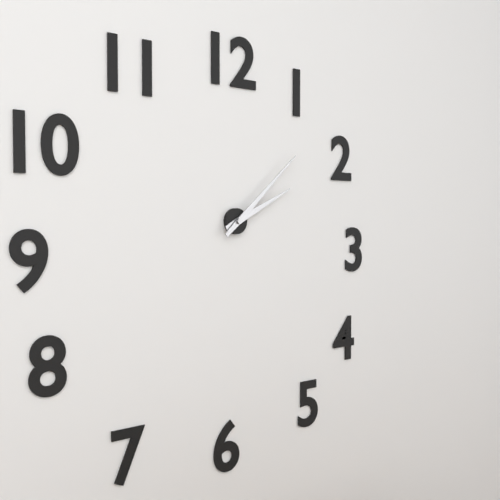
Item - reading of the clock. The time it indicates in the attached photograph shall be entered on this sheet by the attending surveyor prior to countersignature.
2:08
